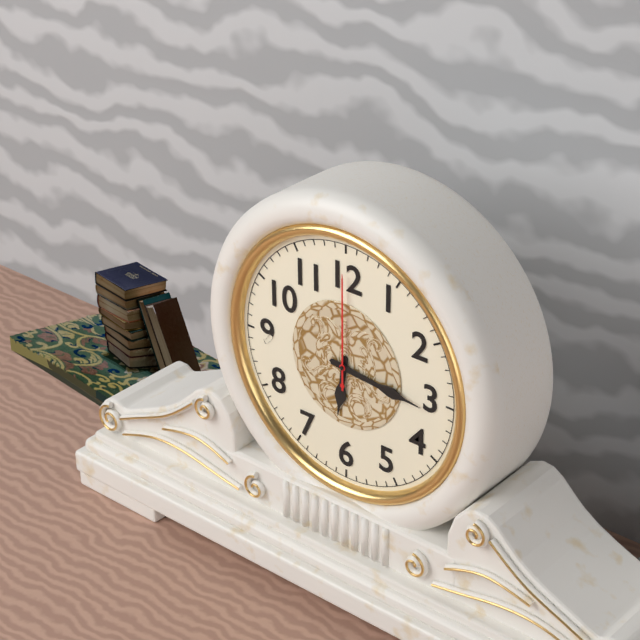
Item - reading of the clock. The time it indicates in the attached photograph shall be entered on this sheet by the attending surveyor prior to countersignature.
6:16:00
